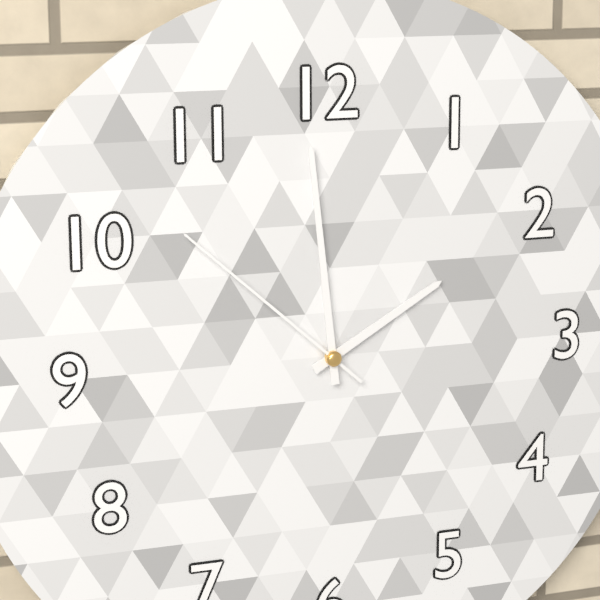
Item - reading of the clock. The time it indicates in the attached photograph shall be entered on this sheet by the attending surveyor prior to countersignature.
1:59:52
